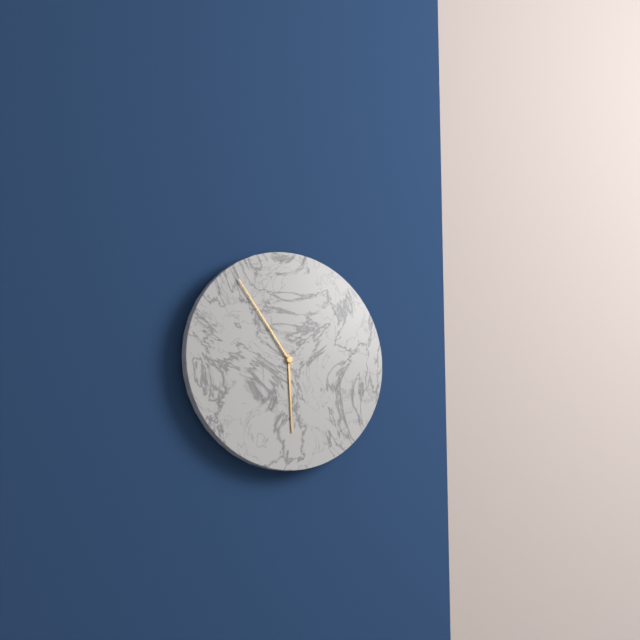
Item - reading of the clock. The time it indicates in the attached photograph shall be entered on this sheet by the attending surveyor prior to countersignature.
5:54
